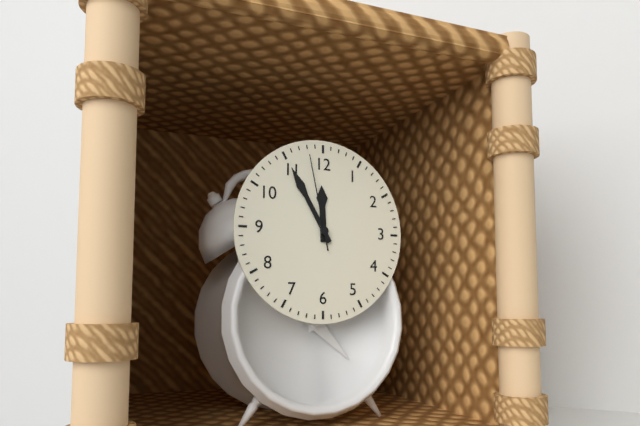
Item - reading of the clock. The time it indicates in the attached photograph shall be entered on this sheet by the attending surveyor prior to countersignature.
11:55:58
